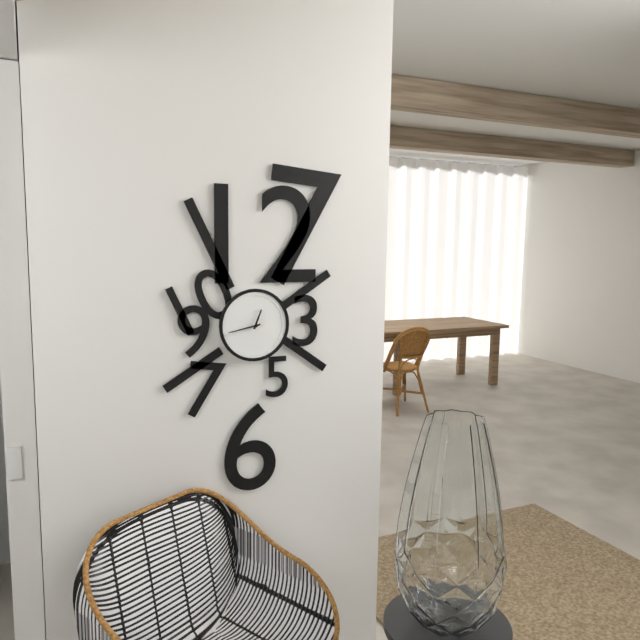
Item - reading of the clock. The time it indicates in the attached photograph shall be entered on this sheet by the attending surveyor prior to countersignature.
12:43
